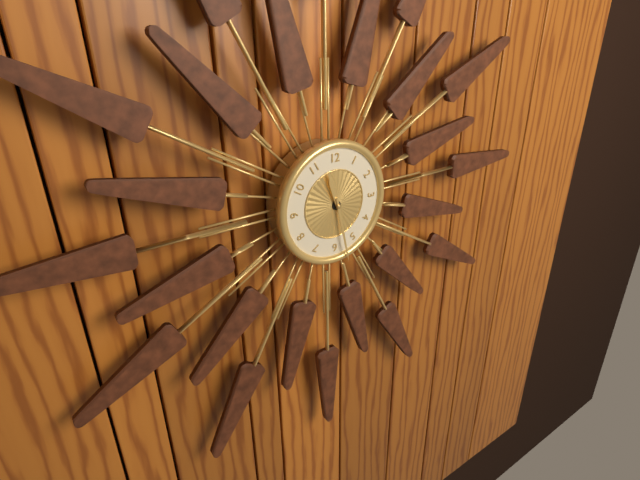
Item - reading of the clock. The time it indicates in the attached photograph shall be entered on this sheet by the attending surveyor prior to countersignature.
11:28
